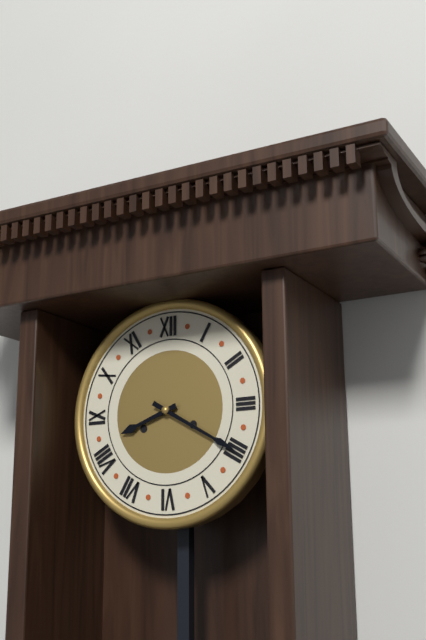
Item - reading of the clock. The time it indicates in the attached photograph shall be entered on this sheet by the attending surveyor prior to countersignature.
8:20
